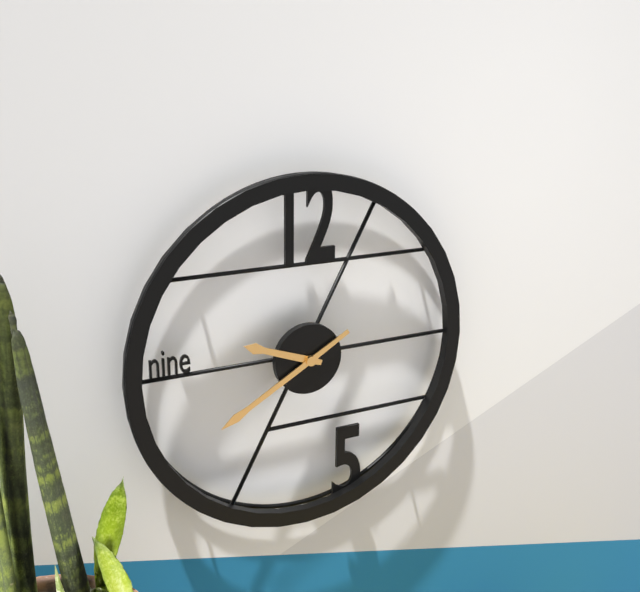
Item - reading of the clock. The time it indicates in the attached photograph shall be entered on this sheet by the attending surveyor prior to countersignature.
9:40
